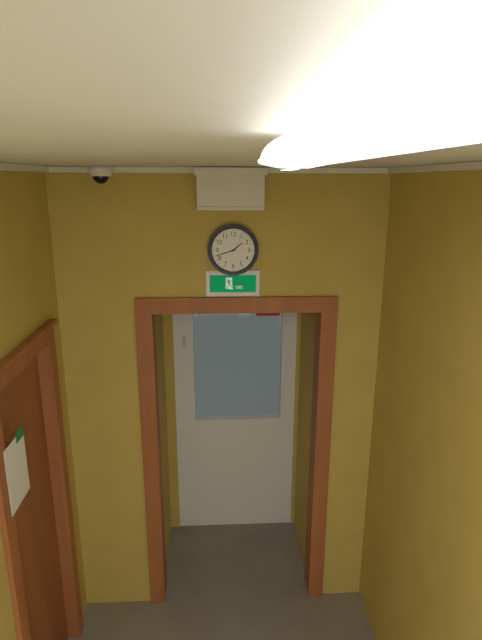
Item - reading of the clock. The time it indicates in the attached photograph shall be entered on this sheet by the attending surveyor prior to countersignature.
1:42
